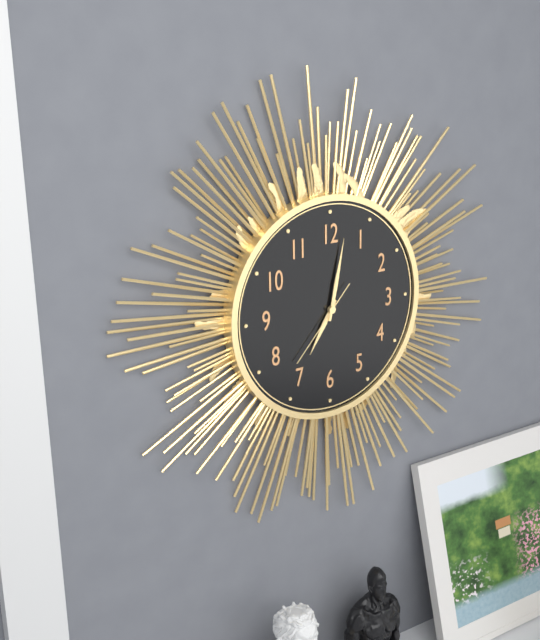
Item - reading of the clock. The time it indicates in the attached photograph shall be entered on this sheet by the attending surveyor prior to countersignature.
7:02:37
